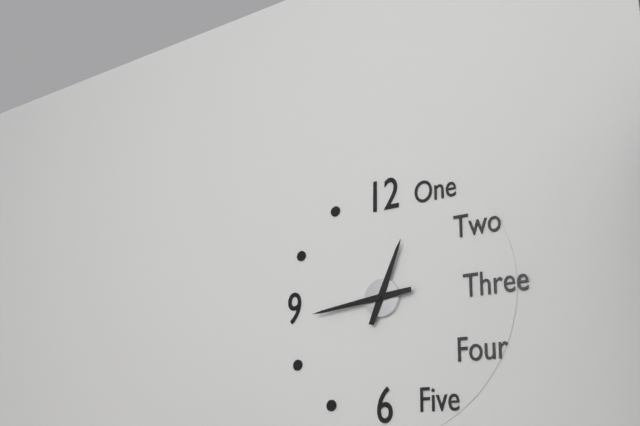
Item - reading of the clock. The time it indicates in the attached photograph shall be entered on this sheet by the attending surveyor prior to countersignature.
12:44
